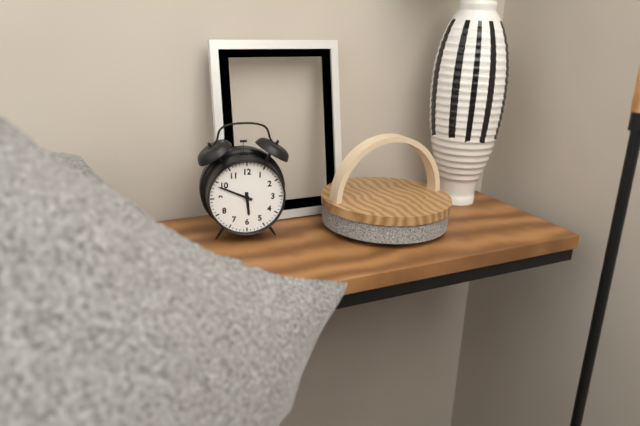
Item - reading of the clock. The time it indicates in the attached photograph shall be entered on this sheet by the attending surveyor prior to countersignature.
5:49
